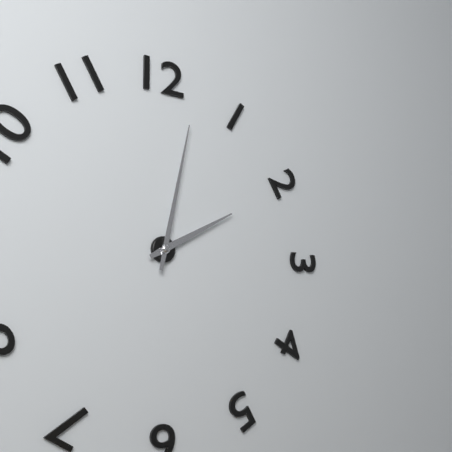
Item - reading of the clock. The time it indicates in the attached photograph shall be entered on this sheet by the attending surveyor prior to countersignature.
2:02
